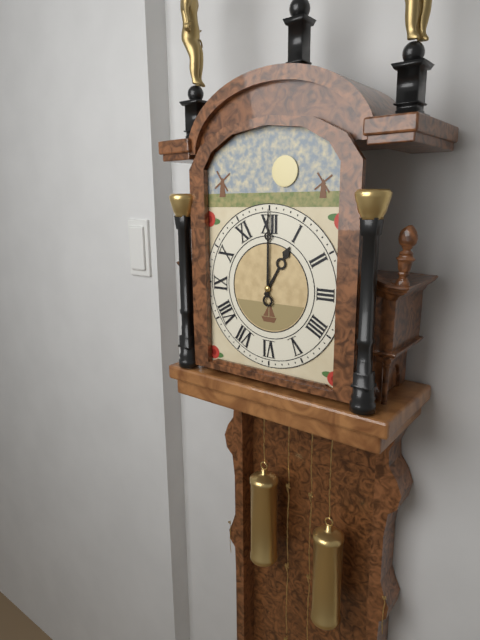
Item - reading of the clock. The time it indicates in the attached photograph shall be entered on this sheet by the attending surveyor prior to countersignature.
1:00
